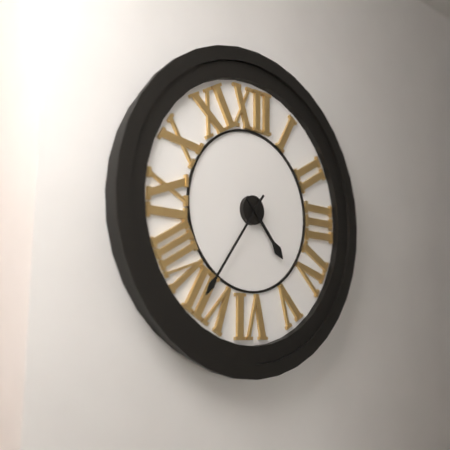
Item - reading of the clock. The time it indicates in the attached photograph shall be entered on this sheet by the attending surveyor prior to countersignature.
4:36
